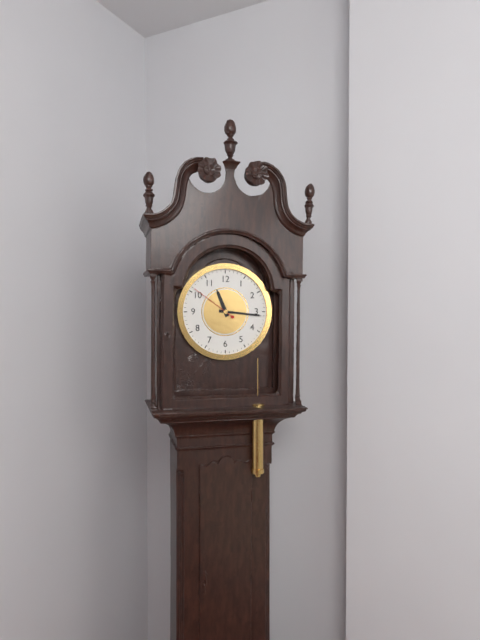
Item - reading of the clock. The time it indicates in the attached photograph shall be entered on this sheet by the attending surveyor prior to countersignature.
11:16
